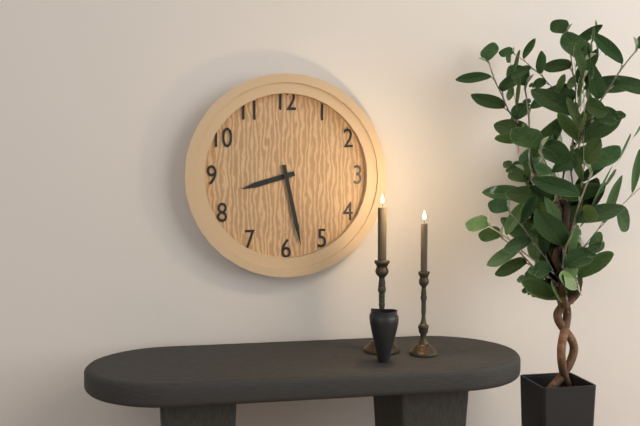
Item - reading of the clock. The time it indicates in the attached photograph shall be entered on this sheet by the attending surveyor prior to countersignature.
8:28
